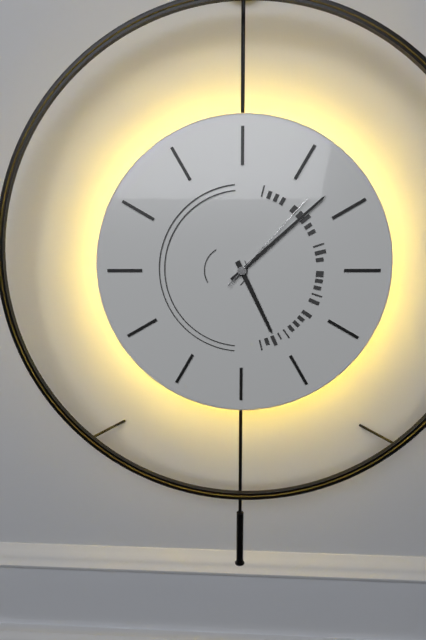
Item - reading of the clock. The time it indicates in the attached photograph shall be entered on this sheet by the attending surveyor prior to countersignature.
5:08:07
